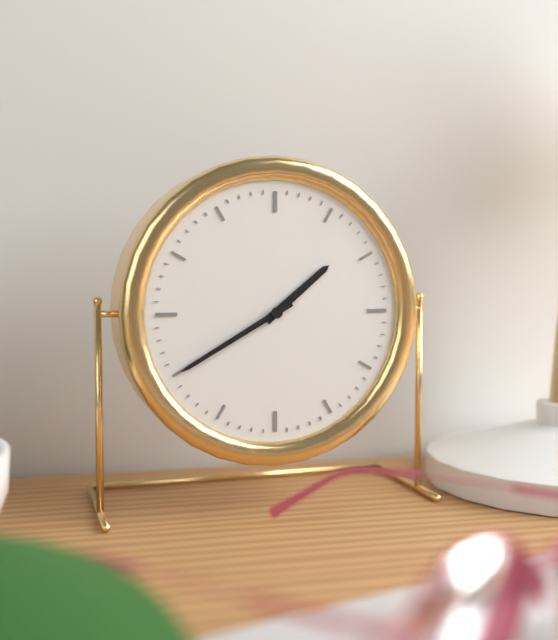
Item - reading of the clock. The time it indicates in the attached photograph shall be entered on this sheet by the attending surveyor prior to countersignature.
1:40
